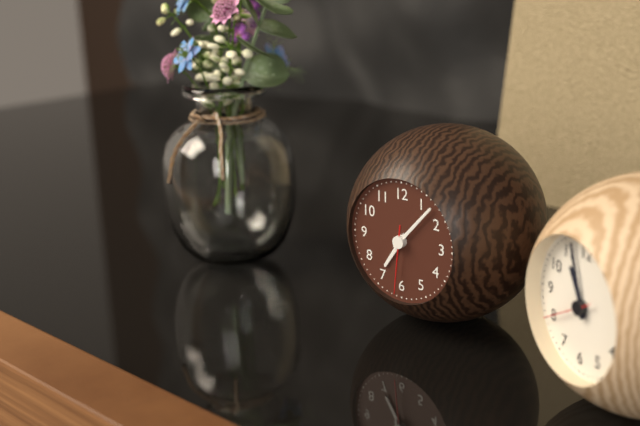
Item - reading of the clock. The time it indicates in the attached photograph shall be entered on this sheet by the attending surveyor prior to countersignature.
7:07:31
